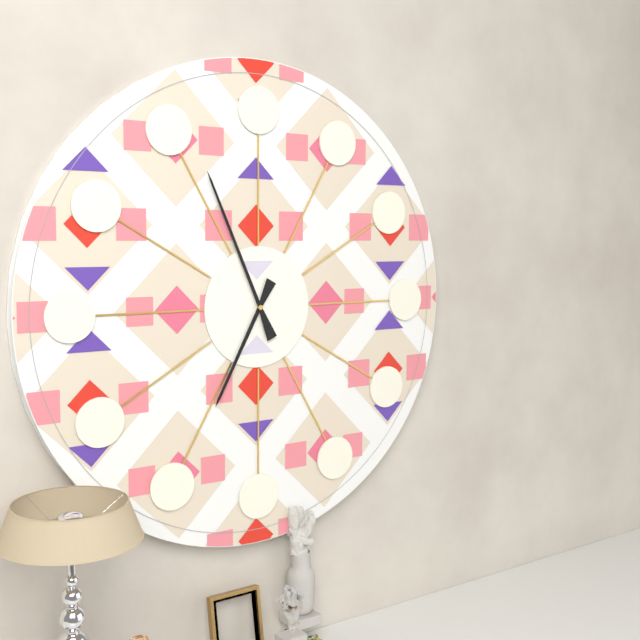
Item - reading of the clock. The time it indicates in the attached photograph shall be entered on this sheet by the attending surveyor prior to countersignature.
6:56
